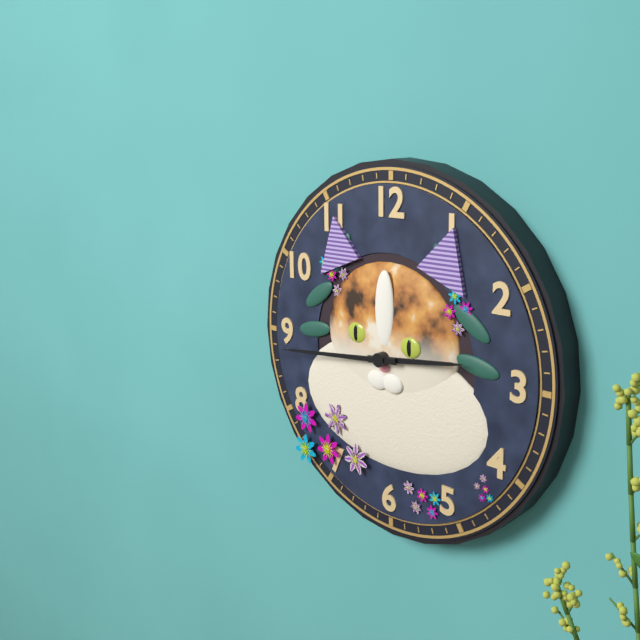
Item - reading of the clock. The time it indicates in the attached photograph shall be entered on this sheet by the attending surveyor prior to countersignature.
2:44
